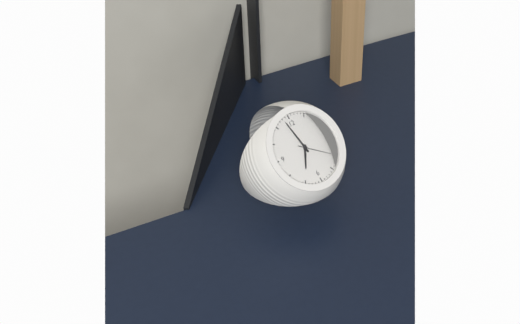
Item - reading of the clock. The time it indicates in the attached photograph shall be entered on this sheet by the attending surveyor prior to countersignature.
6:58
